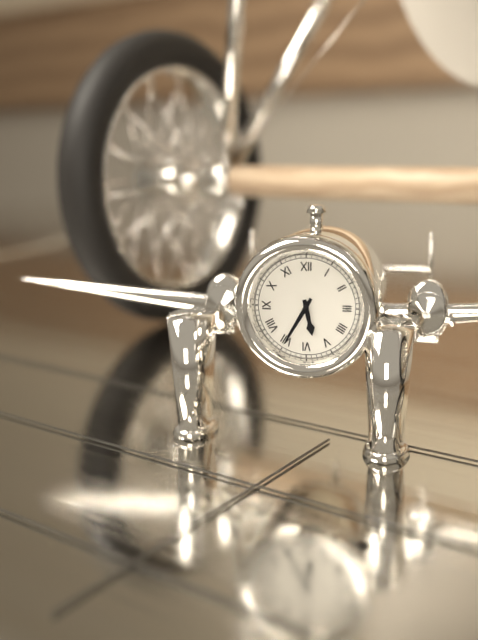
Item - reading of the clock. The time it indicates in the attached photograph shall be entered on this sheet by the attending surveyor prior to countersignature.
5:35
